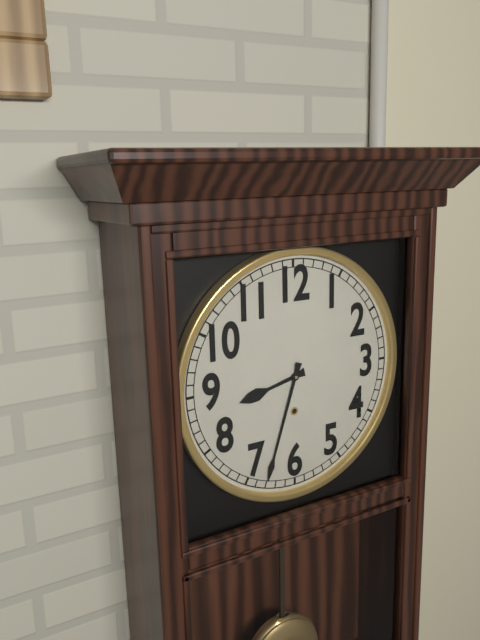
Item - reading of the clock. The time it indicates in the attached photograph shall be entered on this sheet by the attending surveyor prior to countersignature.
8:33
